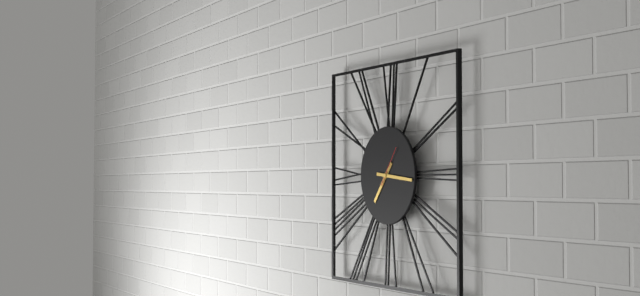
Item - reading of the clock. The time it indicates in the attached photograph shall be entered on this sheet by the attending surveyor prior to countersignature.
7:16
